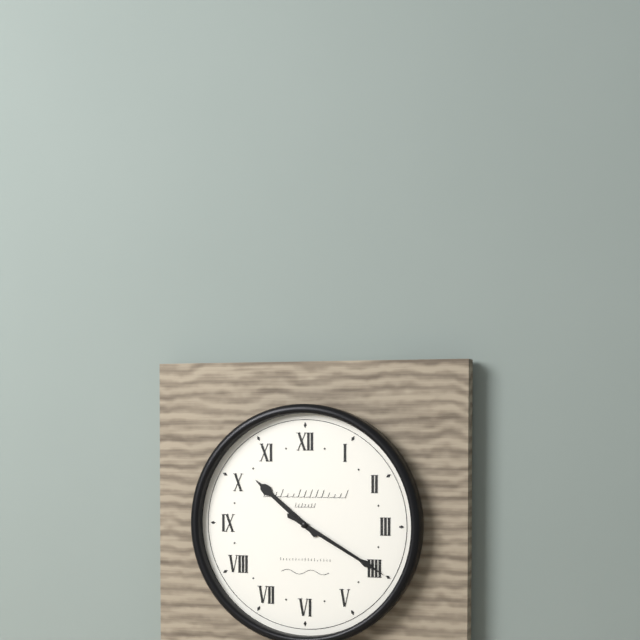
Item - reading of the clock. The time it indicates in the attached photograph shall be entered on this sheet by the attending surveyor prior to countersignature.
10:20
